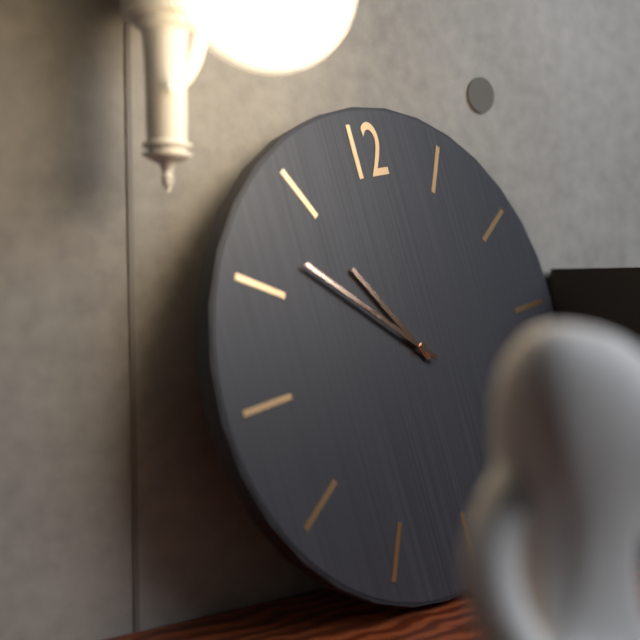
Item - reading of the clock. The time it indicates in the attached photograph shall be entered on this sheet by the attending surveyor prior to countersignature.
10:52
